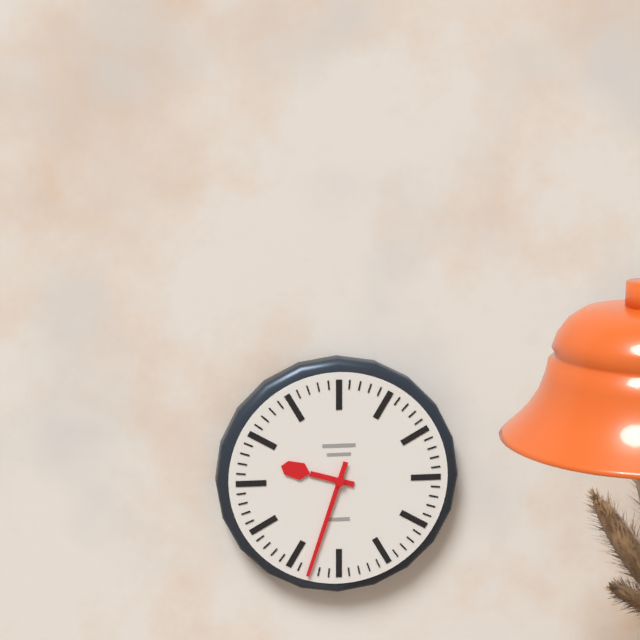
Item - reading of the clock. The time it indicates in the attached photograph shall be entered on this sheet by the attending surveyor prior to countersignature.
9:33
